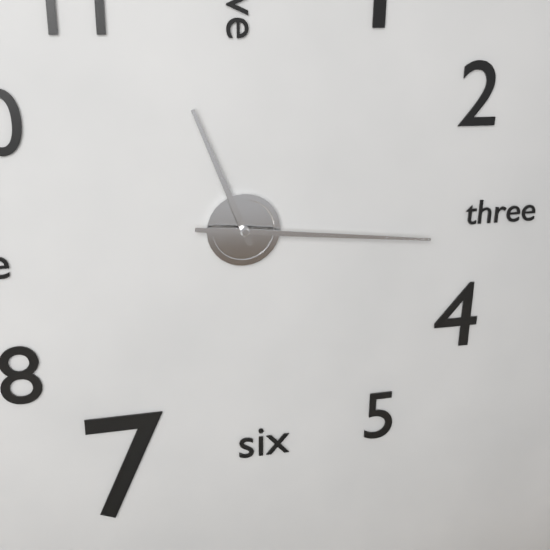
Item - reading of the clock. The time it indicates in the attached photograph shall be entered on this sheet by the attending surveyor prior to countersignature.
11:16
